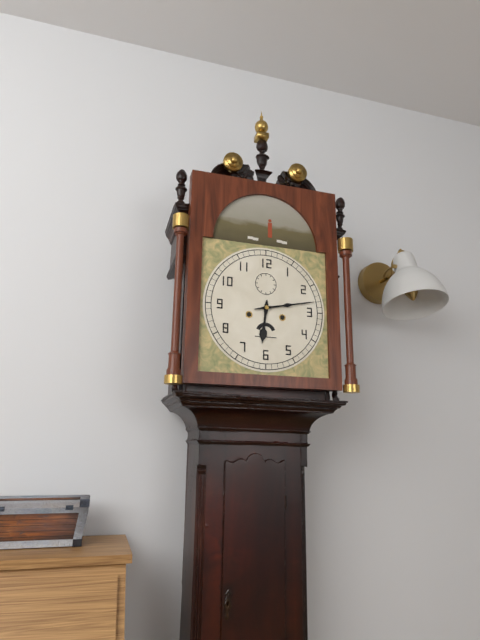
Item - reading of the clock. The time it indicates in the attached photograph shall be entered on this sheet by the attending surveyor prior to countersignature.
6:13
